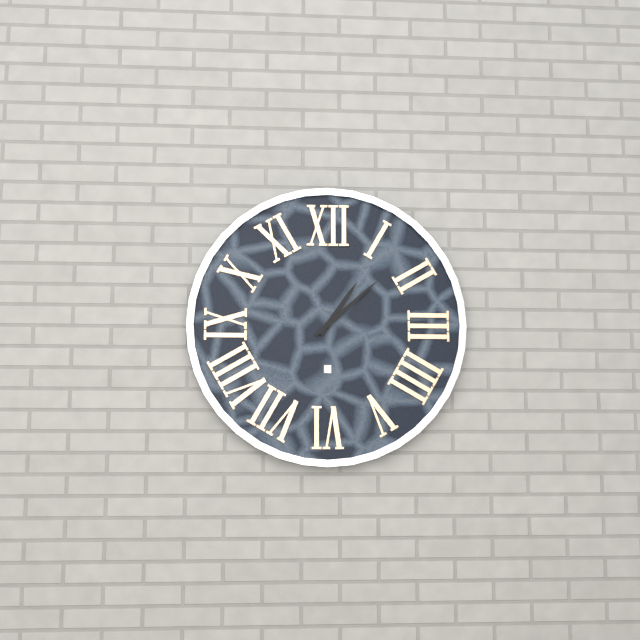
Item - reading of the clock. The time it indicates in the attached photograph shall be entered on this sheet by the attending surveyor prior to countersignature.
1:08
